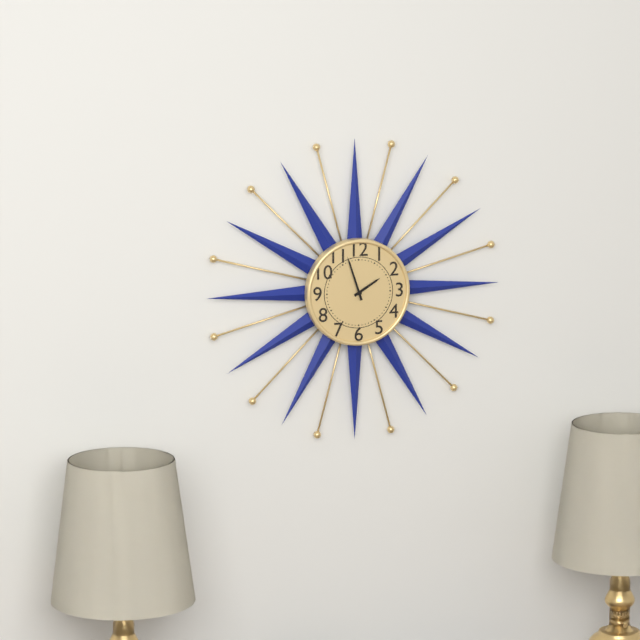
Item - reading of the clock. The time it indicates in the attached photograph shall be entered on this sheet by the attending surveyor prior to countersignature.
1:57
